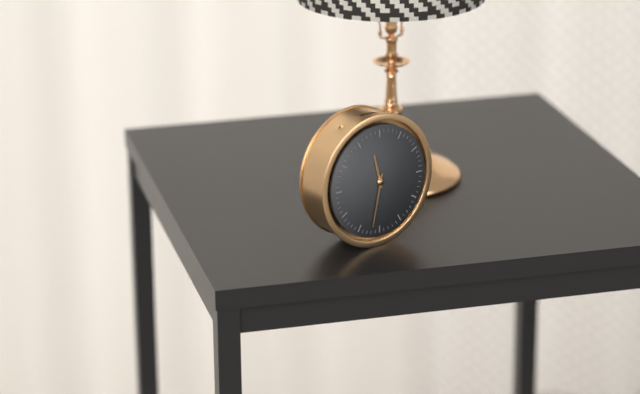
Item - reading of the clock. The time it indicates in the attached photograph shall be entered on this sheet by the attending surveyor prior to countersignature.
11:32
